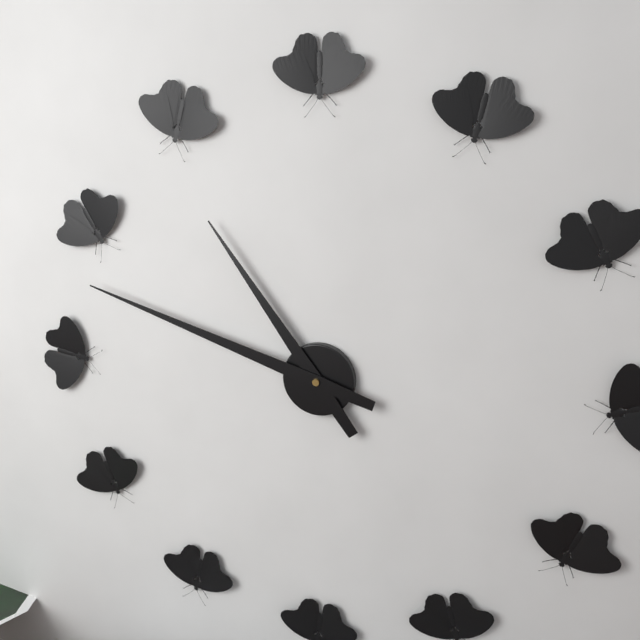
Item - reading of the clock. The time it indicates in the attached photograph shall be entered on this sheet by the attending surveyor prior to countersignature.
10:48
